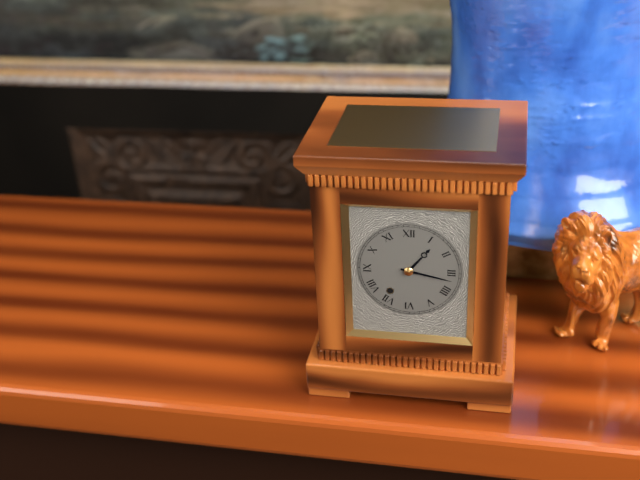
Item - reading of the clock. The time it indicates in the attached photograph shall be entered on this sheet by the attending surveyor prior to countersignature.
1:17
